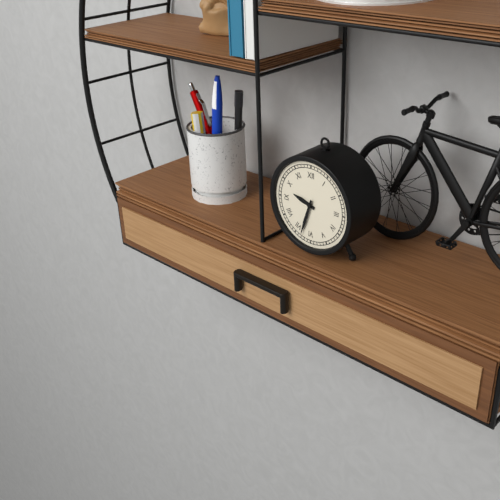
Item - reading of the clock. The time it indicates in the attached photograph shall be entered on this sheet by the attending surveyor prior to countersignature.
9:33
